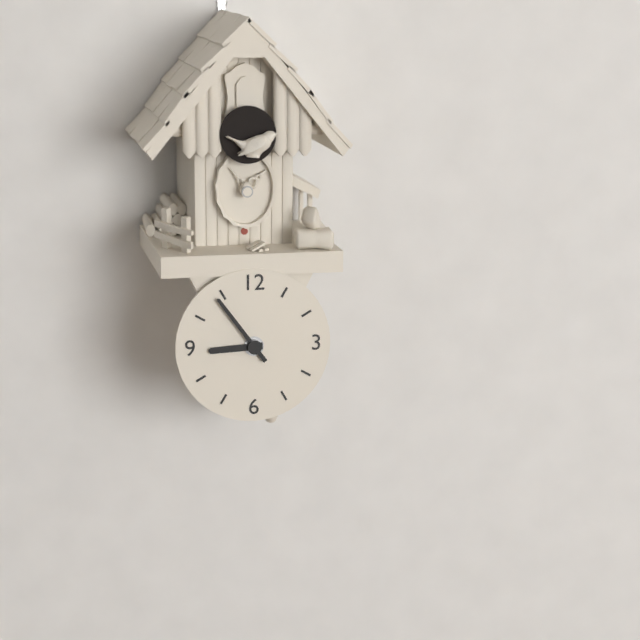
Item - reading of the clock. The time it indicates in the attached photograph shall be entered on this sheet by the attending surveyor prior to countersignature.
8:54
